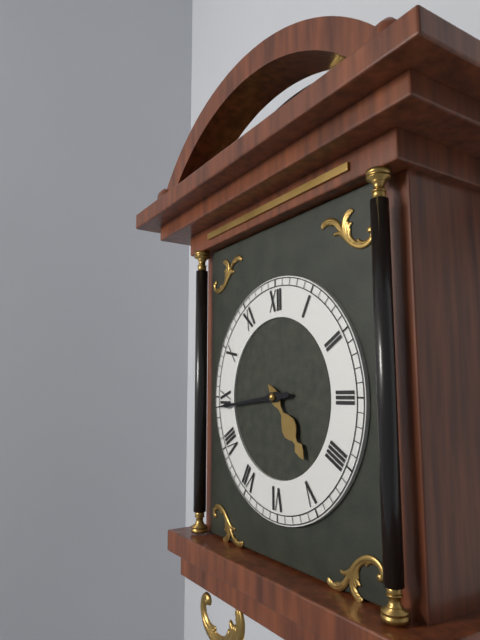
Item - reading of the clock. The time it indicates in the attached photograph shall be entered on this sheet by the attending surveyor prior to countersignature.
4:44
